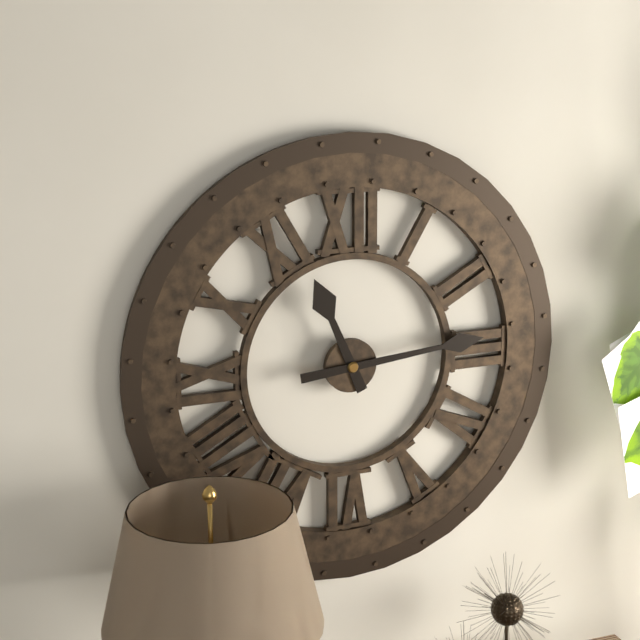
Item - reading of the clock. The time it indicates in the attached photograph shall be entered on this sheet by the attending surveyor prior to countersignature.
11:14
